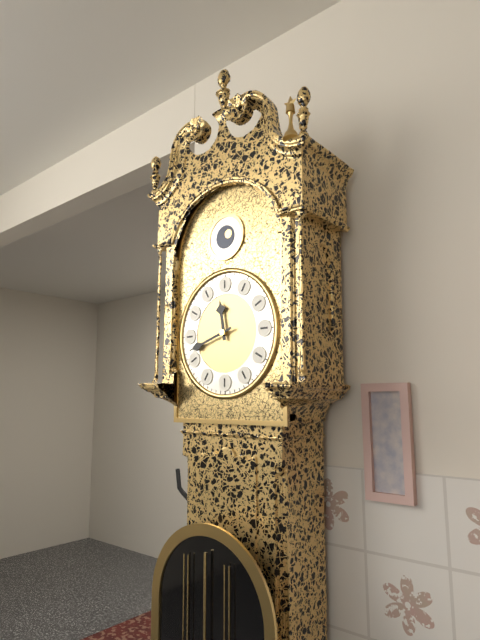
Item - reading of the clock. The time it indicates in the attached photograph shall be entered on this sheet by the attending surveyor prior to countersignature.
11:42
